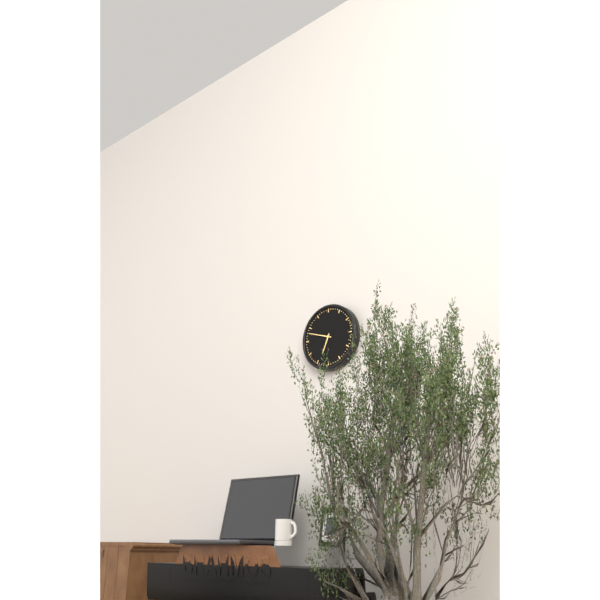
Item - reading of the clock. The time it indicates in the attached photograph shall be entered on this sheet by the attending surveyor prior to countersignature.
6:48
